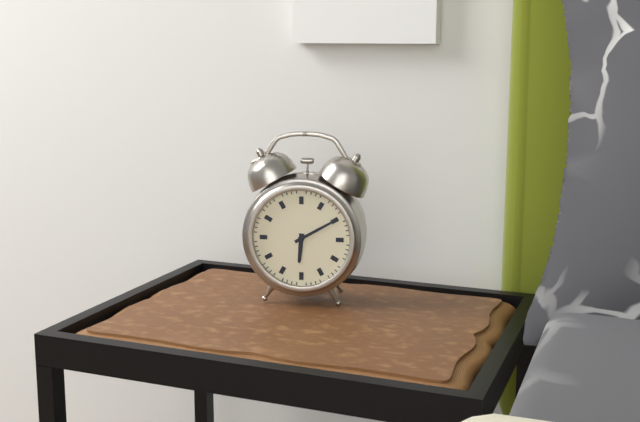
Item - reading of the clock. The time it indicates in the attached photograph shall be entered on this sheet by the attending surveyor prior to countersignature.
6:10
